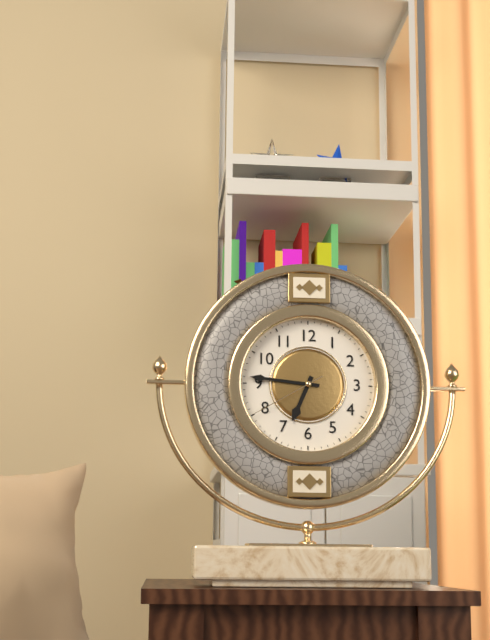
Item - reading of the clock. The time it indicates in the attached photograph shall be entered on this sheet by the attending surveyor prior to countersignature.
6:46:40
